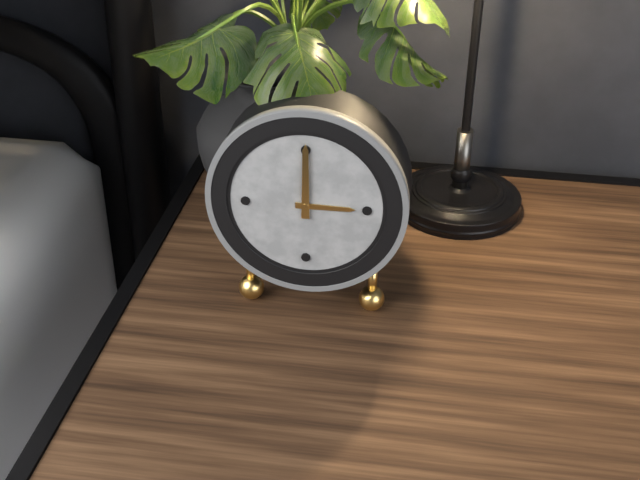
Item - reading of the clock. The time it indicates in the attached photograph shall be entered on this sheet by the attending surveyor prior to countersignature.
3:00
